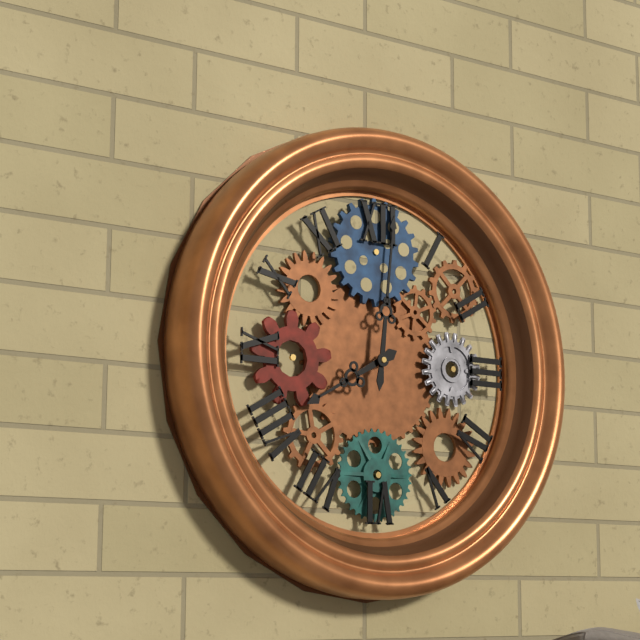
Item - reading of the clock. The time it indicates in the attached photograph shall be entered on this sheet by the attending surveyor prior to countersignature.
8:01
